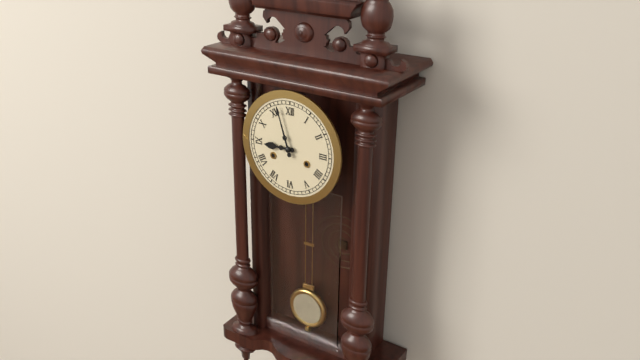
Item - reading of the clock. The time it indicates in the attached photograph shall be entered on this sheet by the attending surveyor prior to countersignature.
8:57
